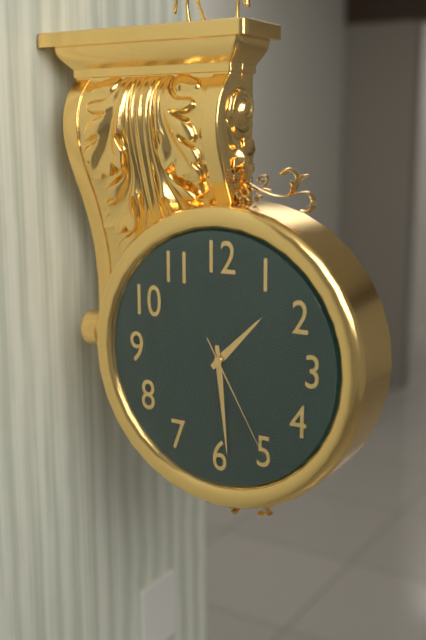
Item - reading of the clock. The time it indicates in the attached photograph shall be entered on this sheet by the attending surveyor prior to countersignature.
1:29:25
